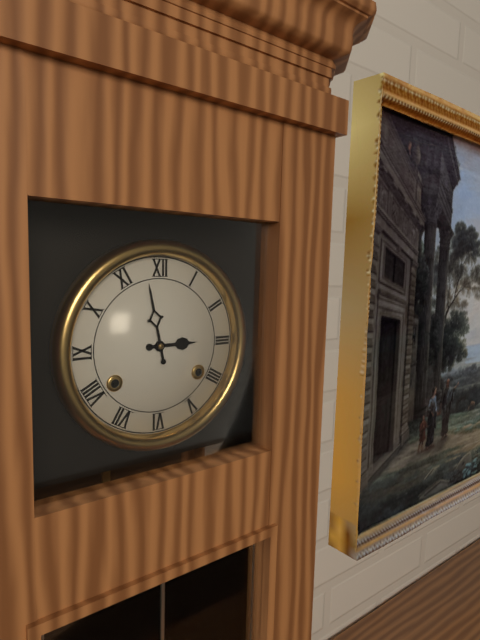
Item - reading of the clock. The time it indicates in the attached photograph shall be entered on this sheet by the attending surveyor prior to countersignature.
2:58
